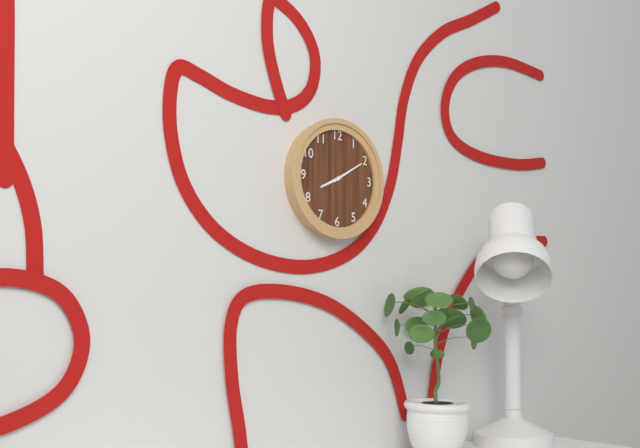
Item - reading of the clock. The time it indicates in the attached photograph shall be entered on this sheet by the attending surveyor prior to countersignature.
8:10
